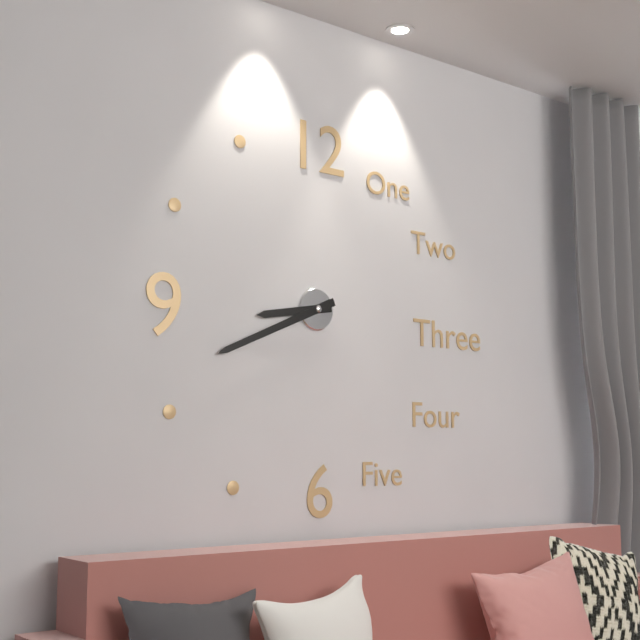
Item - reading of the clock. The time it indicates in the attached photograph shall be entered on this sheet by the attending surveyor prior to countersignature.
8:41
